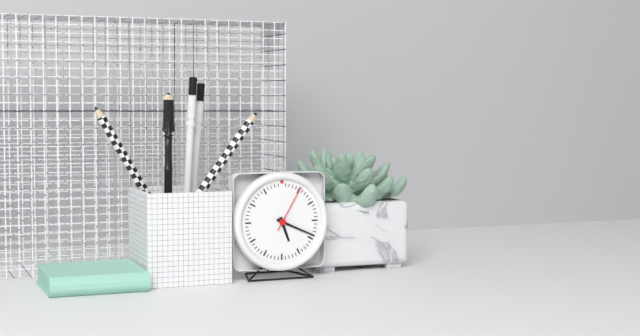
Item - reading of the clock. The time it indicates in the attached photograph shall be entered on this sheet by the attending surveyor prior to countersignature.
5:19
